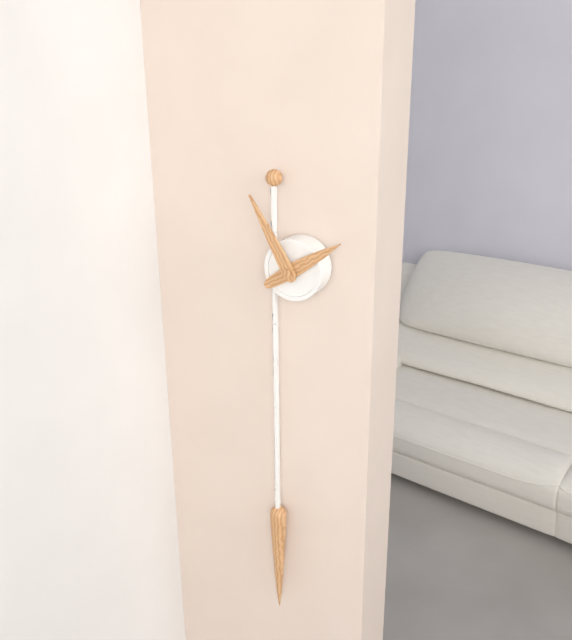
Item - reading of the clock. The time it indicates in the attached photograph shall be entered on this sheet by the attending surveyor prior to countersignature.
1:55
